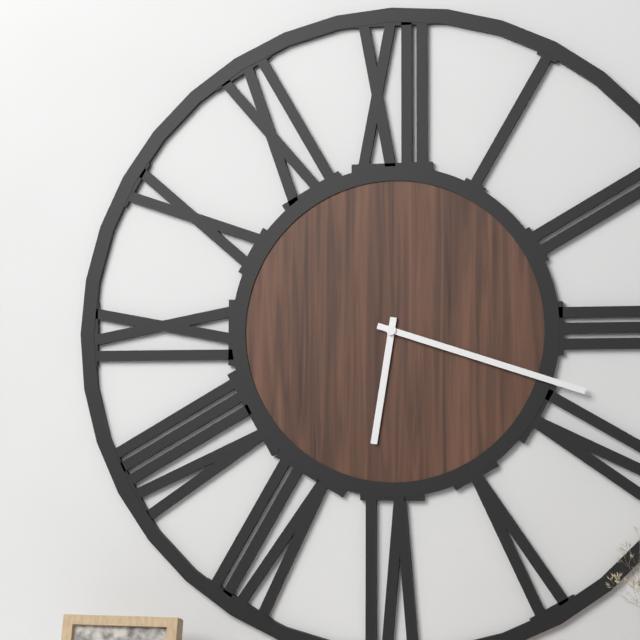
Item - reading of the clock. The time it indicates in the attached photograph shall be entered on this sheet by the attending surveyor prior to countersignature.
6:18
